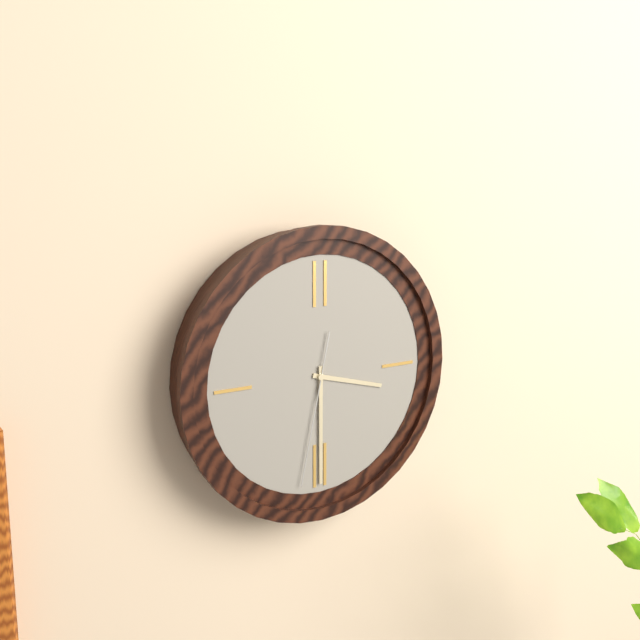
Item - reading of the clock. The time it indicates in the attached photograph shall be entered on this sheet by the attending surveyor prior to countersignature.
3:30:32
